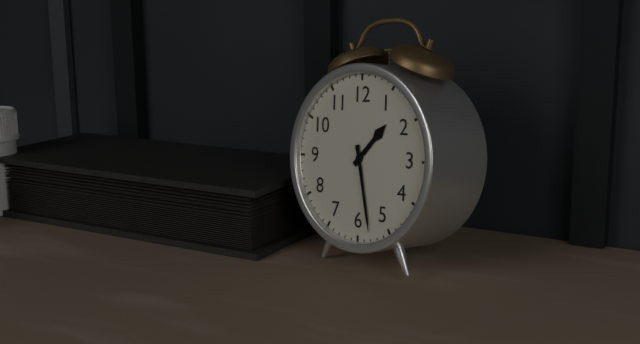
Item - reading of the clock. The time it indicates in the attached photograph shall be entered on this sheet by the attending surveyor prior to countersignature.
1:28
